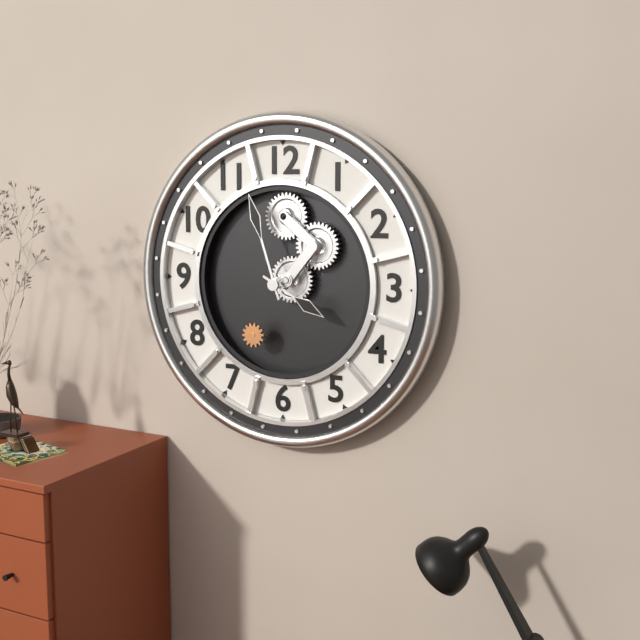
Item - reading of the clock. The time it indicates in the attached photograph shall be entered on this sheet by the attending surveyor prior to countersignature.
3:57
